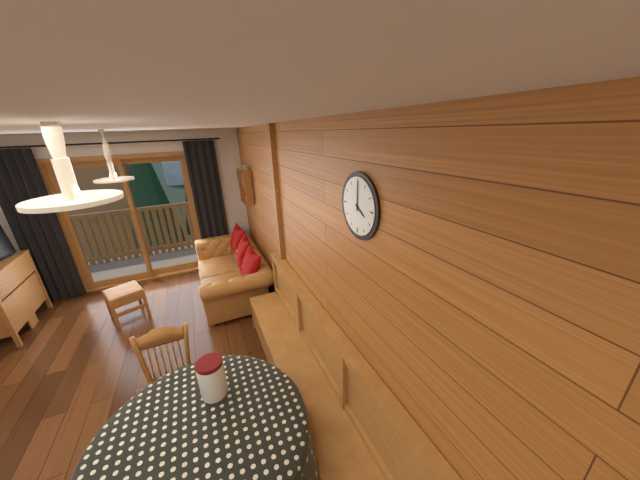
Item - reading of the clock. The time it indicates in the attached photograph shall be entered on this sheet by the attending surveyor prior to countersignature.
4:00
